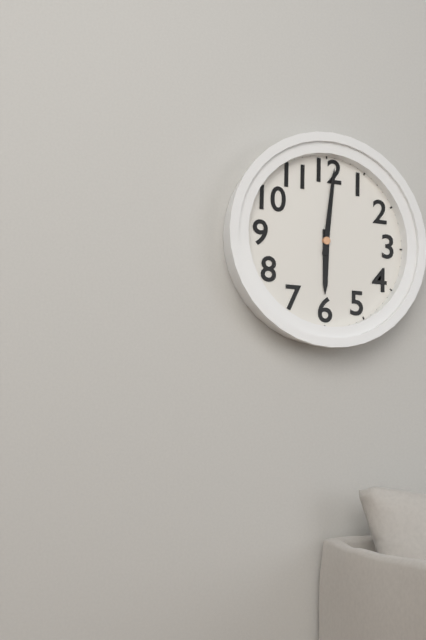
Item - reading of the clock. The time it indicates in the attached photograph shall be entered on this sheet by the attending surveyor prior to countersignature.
6:01
